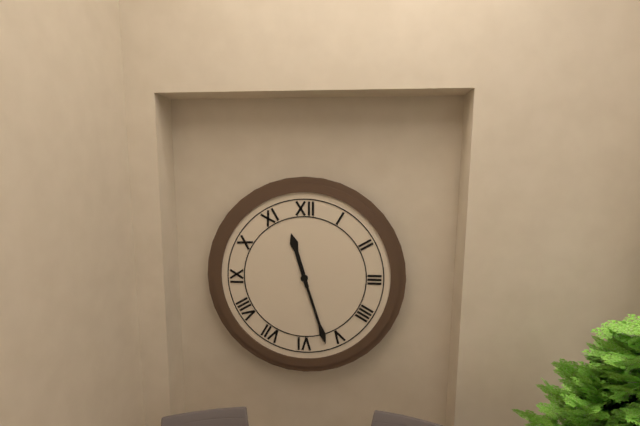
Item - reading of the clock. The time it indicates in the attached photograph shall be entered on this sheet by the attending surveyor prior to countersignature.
11:27
